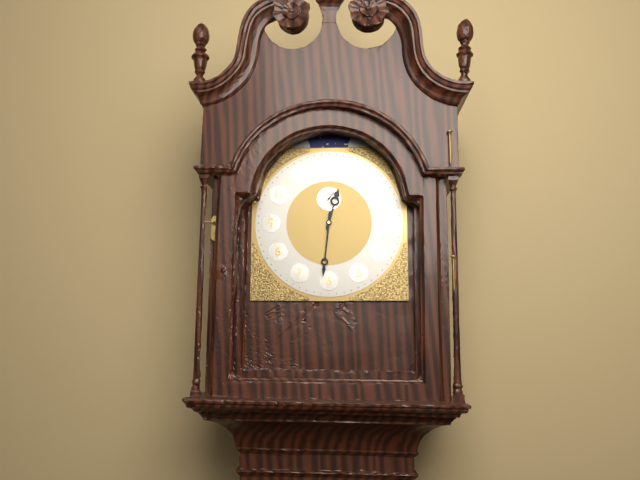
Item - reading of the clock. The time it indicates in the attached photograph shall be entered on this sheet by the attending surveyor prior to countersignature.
12:31
